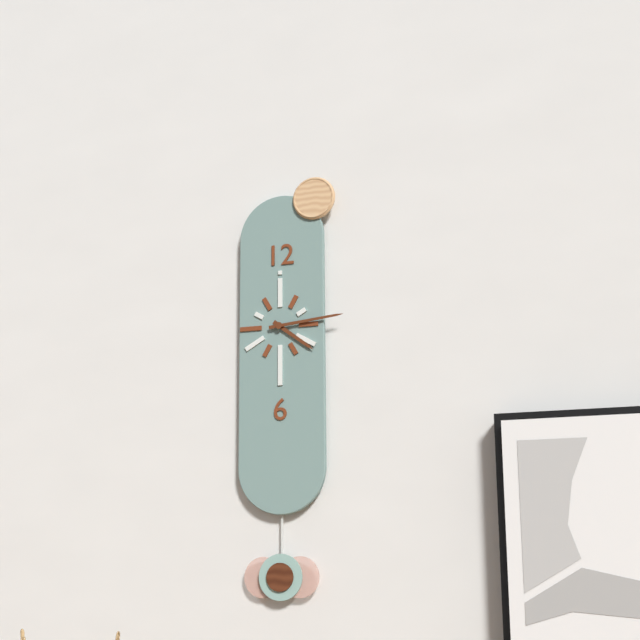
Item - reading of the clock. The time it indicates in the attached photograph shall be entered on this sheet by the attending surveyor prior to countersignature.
4:14
